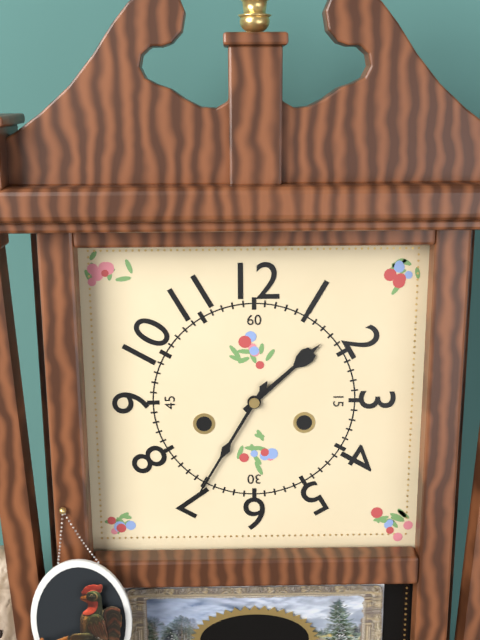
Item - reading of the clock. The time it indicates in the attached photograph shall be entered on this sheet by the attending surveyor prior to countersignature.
1:35
